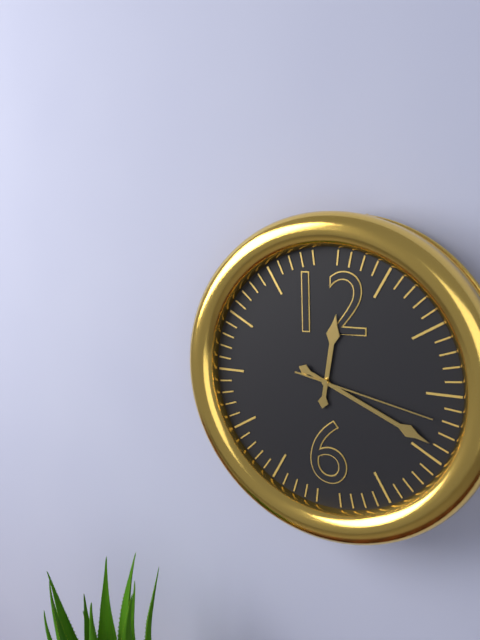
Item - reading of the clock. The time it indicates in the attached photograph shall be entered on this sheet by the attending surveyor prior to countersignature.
12:19:17
